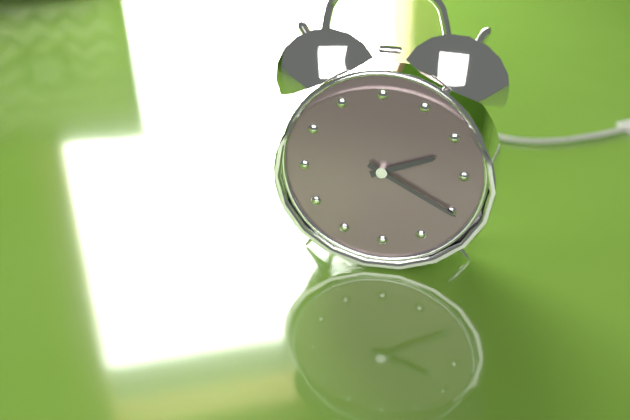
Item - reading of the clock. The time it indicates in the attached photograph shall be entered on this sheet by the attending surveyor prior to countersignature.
2:20
